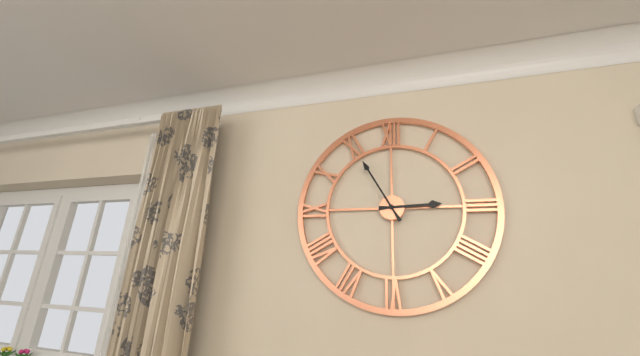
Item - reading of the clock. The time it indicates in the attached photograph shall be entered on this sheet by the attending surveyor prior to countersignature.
2:55
